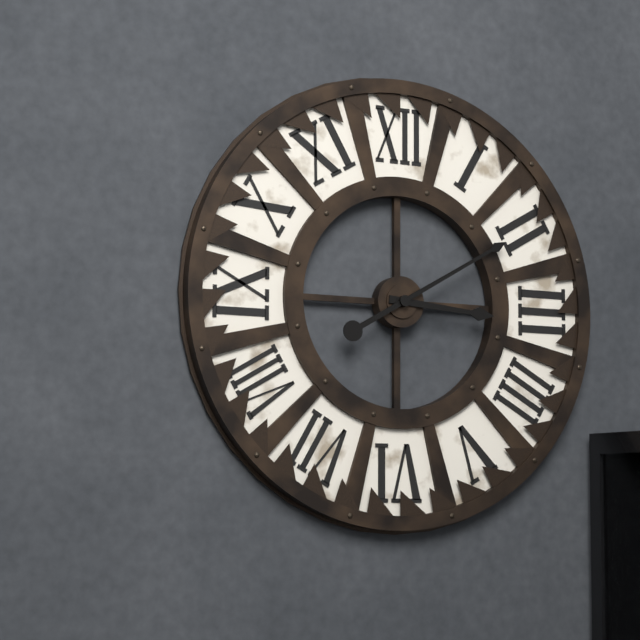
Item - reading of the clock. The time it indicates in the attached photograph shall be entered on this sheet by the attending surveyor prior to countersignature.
3:10
